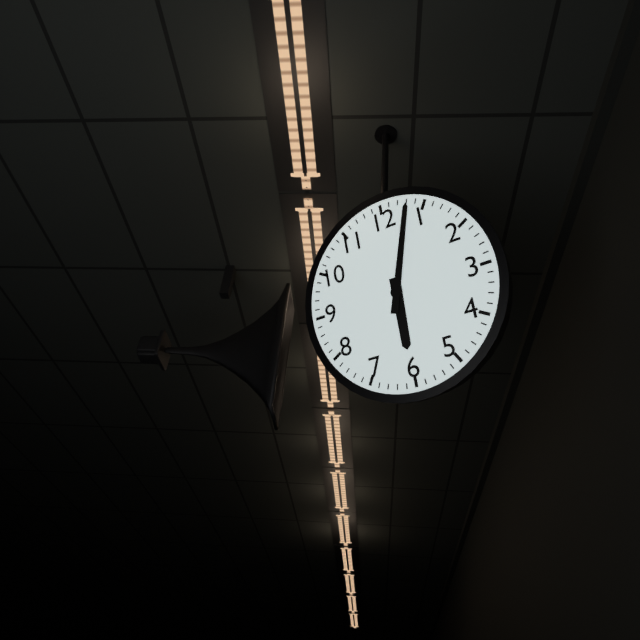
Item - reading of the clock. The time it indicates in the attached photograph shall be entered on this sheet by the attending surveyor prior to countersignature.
6:03
